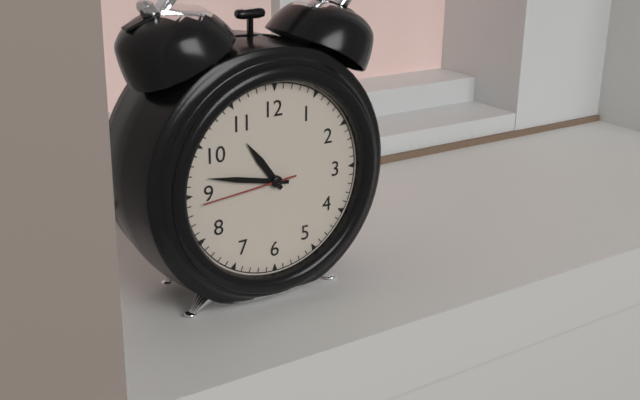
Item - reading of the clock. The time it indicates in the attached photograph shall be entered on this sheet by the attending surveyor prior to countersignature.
10:47:44
